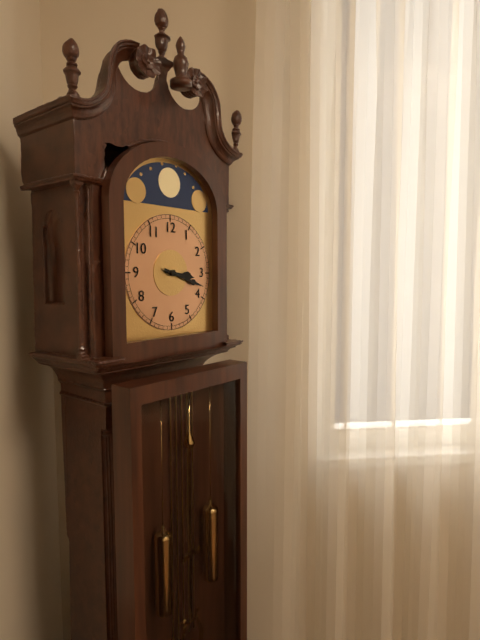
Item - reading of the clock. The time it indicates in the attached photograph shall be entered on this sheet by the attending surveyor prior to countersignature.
3:18
